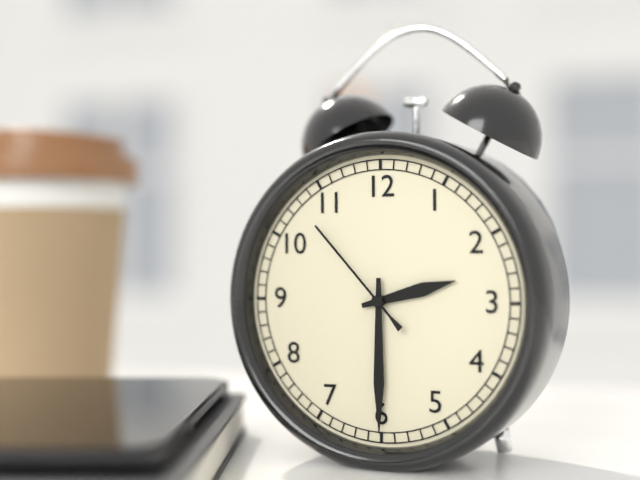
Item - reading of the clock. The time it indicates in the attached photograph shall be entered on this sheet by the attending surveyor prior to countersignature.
2:30:53
